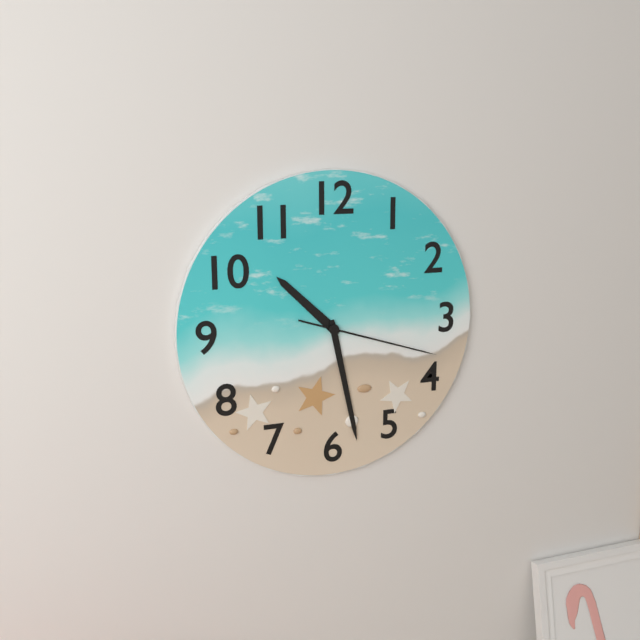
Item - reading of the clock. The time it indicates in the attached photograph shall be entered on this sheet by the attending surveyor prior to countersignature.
10:28:18
